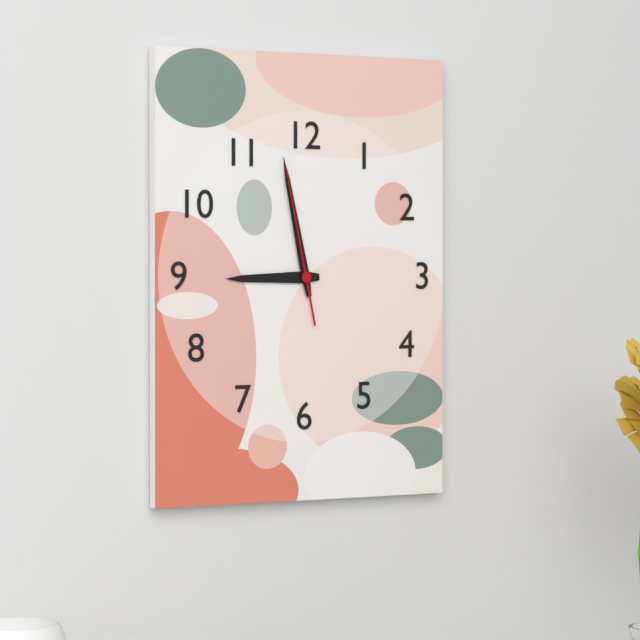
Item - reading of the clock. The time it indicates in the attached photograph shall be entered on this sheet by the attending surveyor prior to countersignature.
8:58:58
